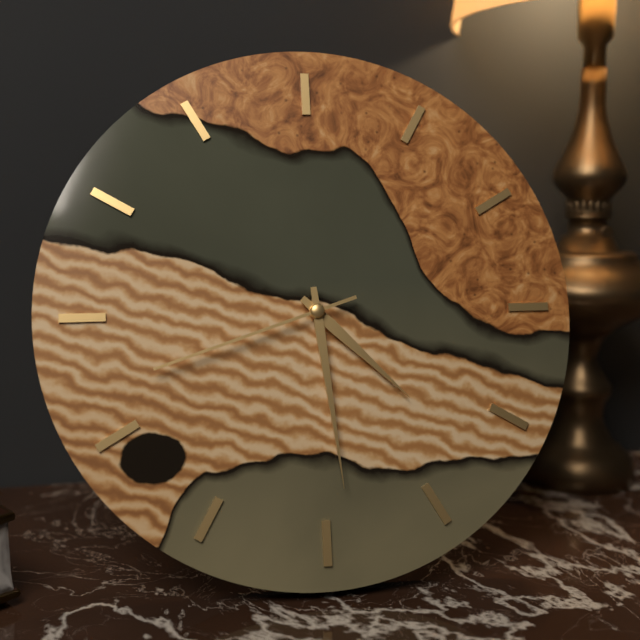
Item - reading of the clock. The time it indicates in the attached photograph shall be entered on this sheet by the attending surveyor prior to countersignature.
4:29:42
